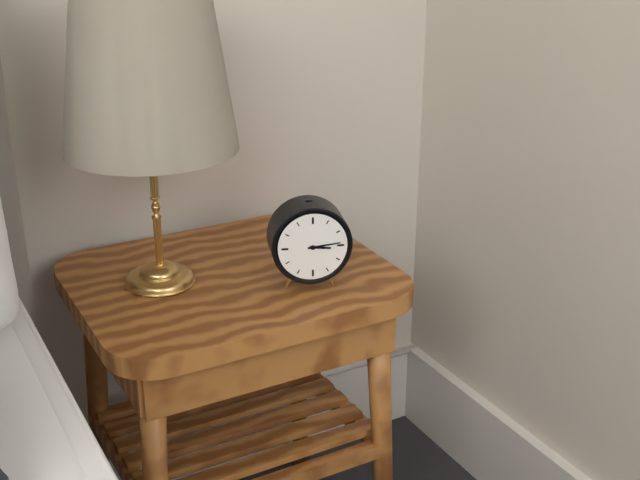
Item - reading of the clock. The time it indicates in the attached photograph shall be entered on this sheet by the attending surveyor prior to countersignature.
3:14
